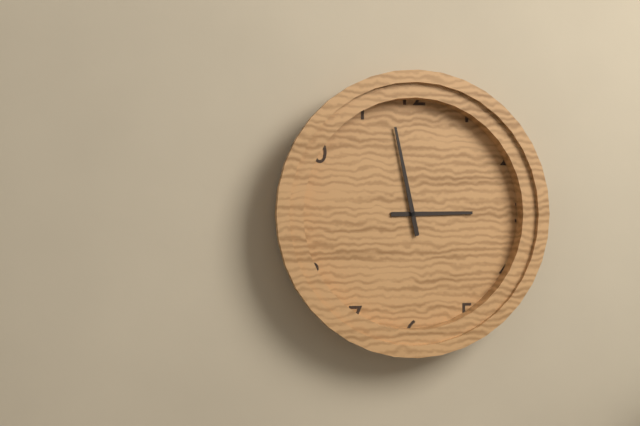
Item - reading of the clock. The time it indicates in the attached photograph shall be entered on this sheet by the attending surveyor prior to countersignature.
2:58
